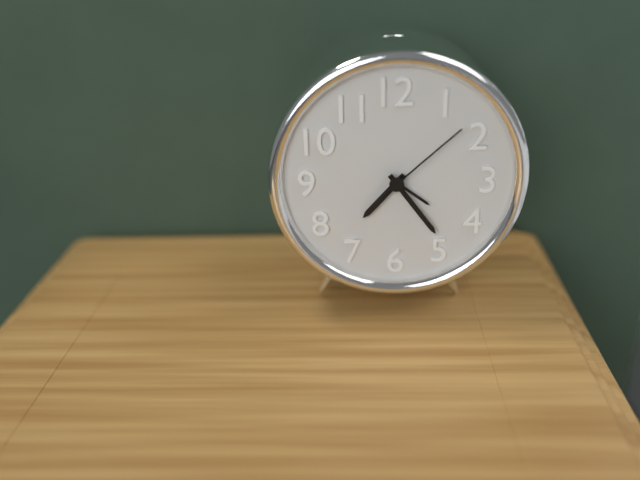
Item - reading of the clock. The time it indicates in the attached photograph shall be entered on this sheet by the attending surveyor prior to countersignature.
7:24:08
